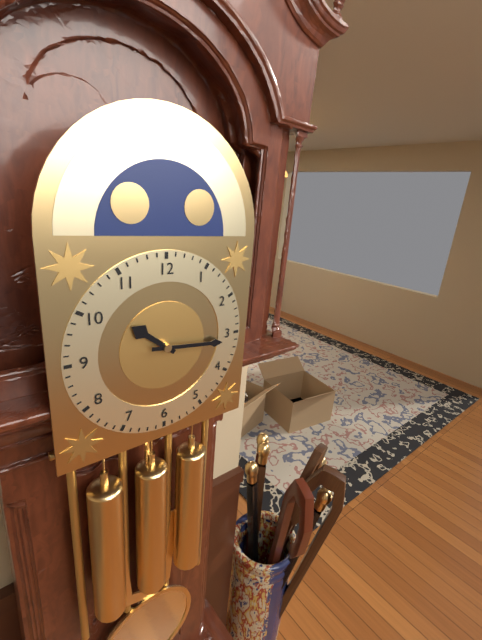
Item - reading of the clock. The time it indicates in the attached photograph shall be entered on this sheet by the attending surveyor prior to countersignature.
10:16
